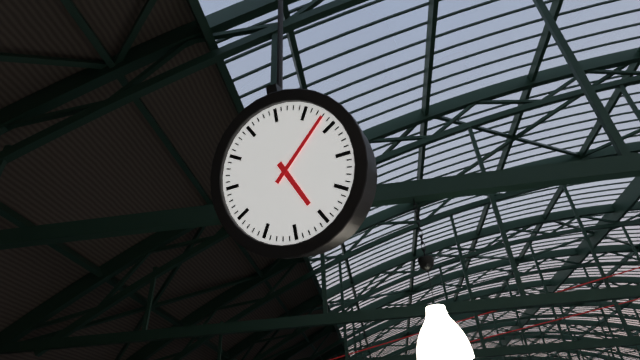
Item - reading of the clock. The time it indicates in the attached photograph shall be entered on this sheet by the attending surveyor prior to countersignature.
5:08
